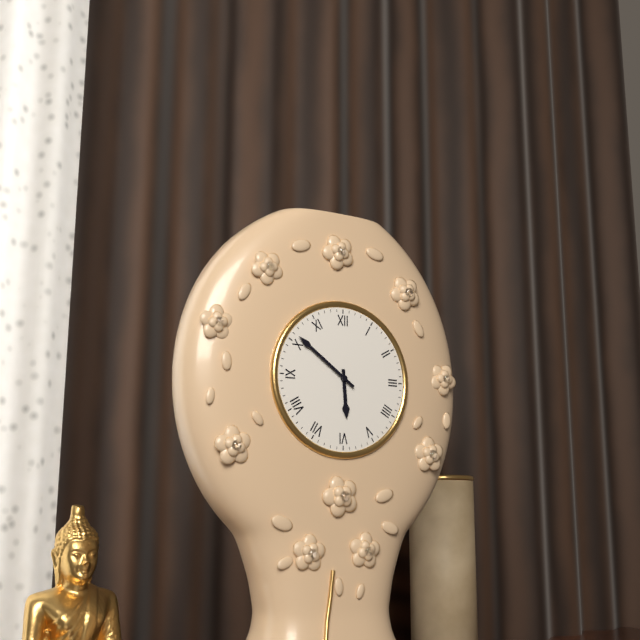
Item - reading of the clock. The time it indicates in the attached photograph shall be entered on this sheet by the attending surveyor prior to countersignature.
5:51
